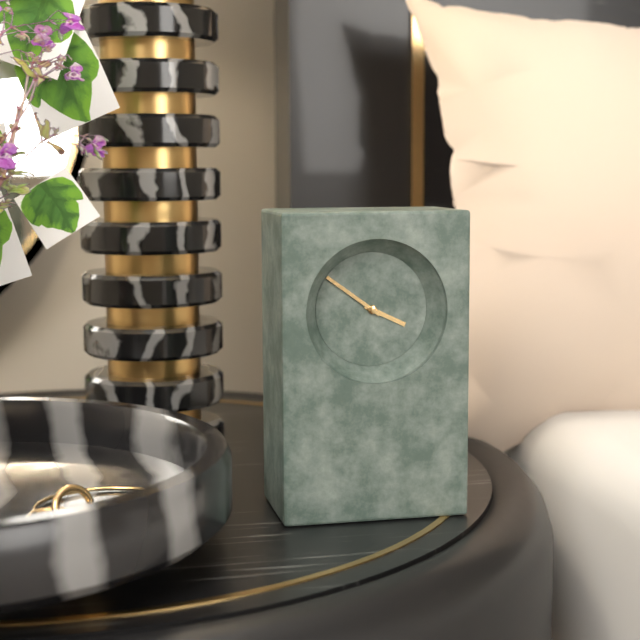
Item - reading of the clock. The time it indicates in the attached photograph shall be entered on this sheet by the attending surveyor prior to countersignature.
3:51
